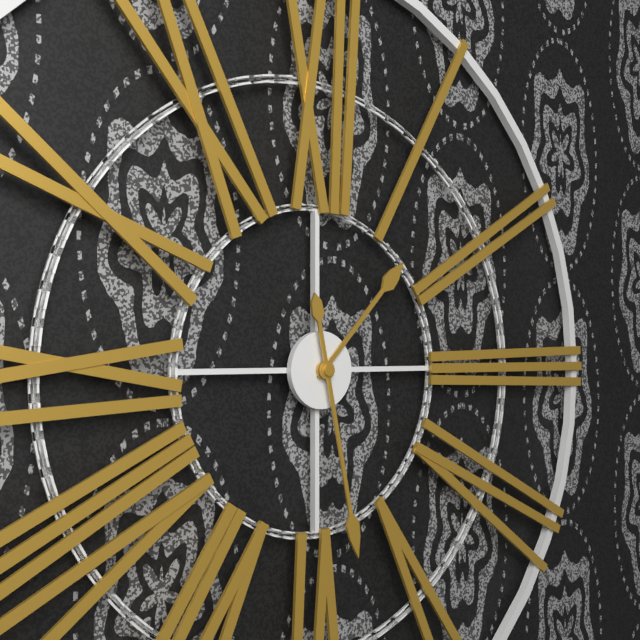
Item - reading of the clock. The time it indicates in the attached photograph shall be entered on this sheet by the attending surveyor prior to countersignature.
1:28
